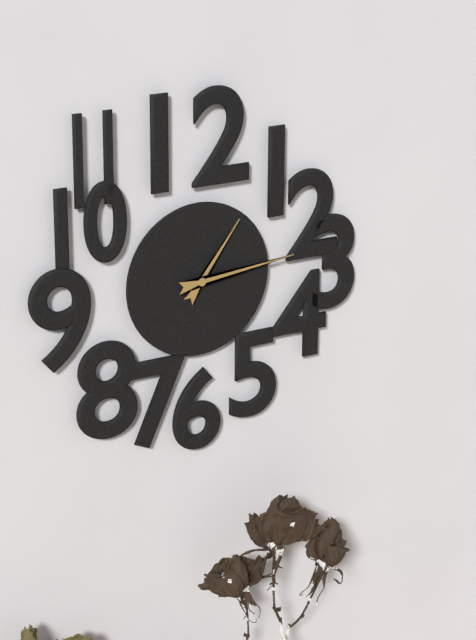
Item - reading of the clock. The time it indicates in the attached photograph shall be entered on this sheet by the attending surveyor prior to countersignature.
1:14
